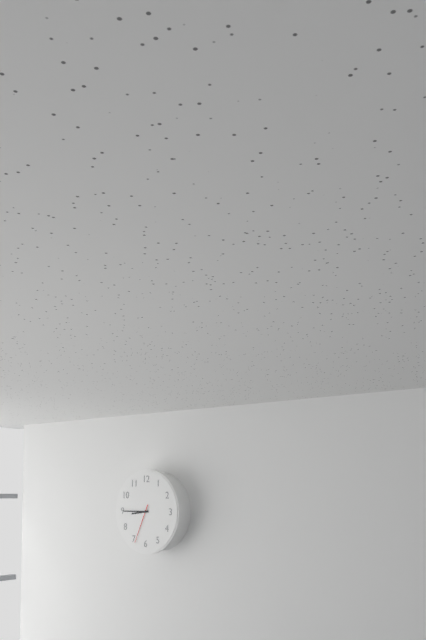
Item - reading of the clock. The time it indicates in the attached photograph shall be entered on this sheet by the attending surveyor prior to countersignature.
8:45
